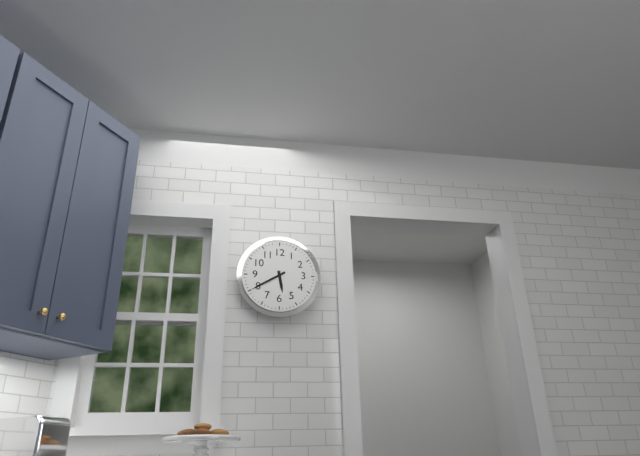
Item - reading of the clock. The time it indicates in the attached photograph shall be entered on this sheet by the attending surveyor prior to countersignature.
5:40
